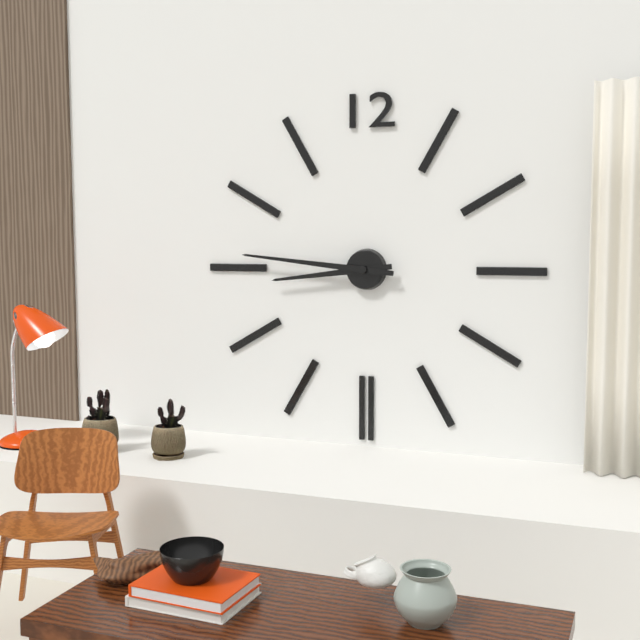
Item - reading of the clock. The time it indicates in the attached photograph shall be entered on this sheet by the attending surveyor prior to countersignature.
8:46
